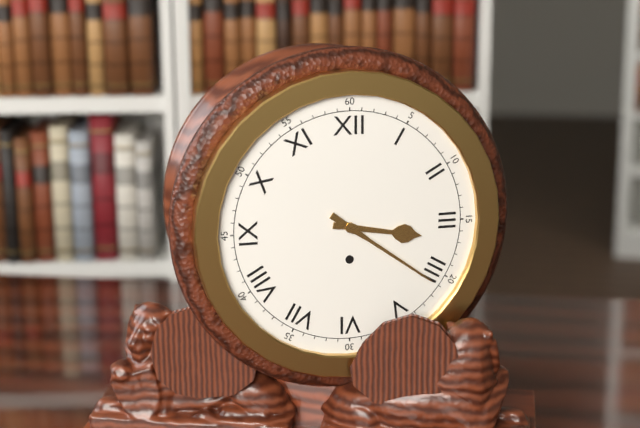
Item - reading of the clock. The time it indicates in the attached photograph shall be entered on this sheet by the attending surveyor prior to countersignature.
3:21
